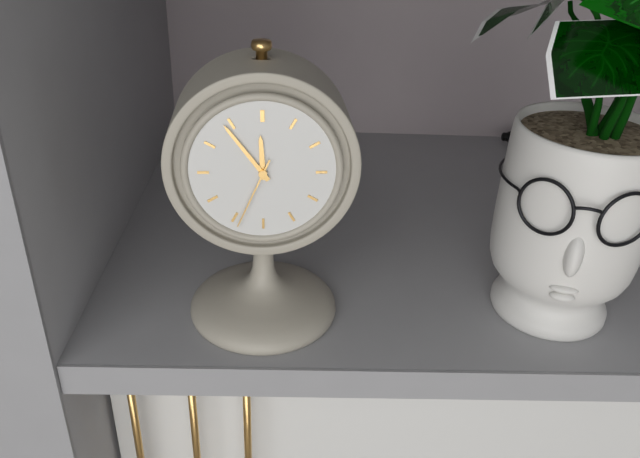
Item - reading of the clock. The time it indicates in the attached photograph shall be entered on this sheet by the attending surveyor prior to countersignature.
11:54:34
